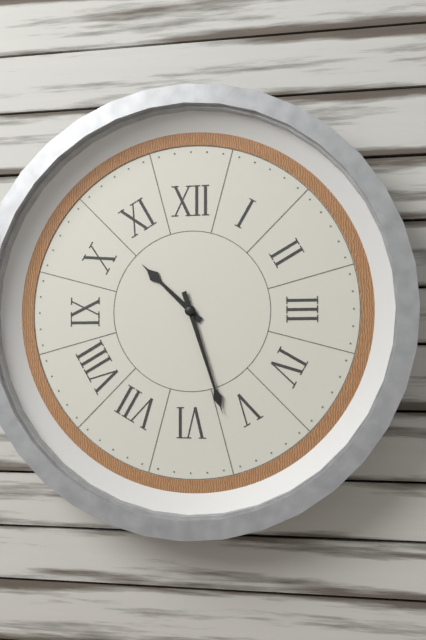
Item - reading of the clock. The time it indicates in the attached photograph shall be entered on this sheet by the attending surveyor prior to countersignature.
10:27
